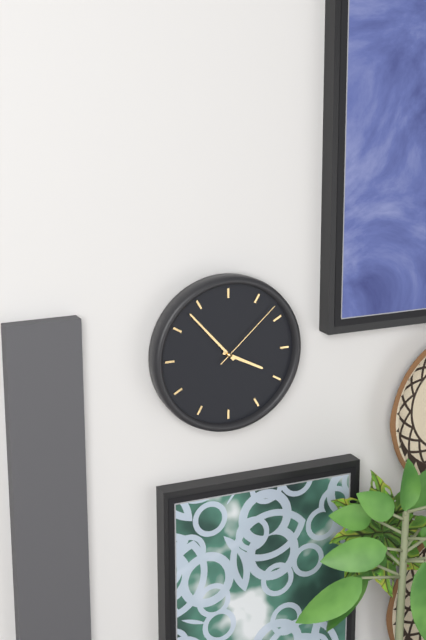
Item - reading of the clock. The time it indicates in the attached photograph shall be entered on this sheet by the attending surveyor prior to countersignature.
3:53:08
